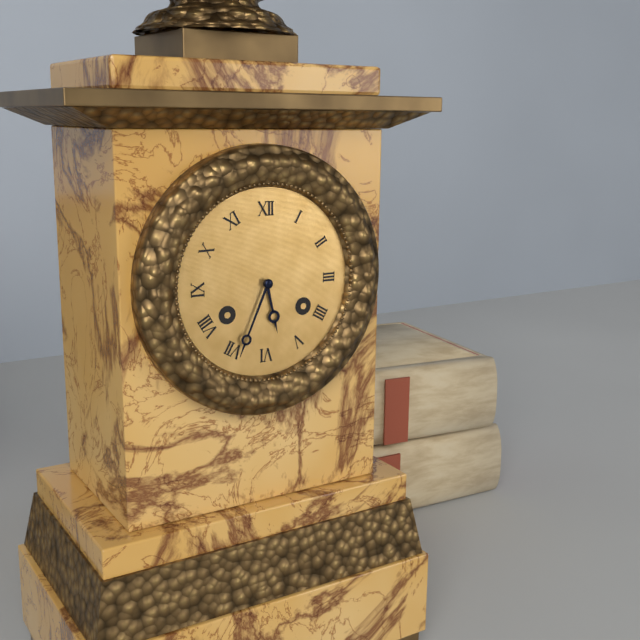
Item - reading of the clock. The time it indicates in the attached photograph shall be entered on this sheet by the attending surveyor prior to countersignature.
5:34
